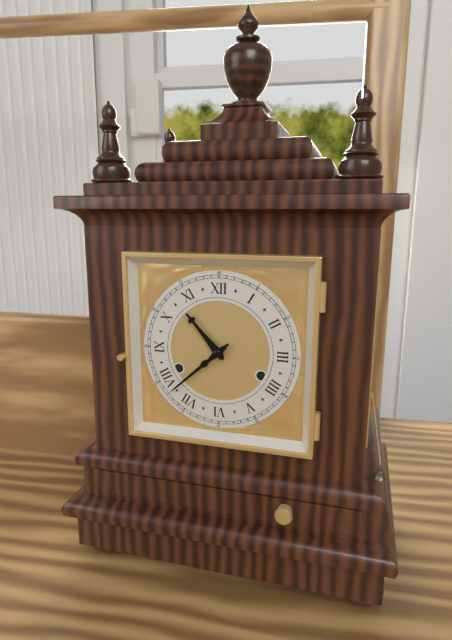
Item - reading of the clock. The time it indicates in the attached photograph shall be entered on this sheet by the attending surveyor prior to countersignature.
10:38
